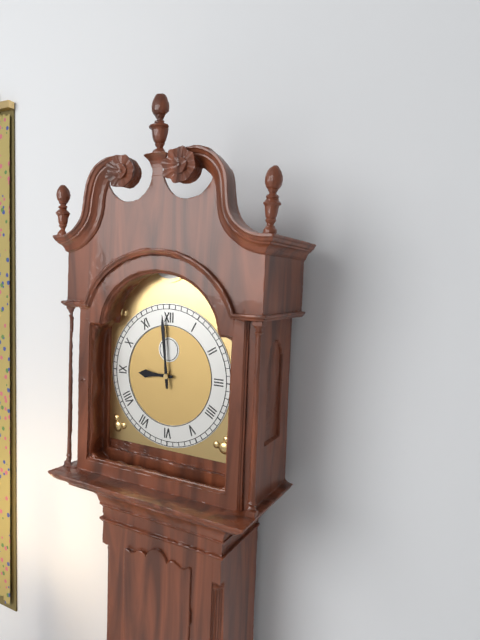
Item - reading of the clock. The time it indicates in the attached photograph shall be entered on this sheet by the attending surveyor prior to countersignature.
8:59
